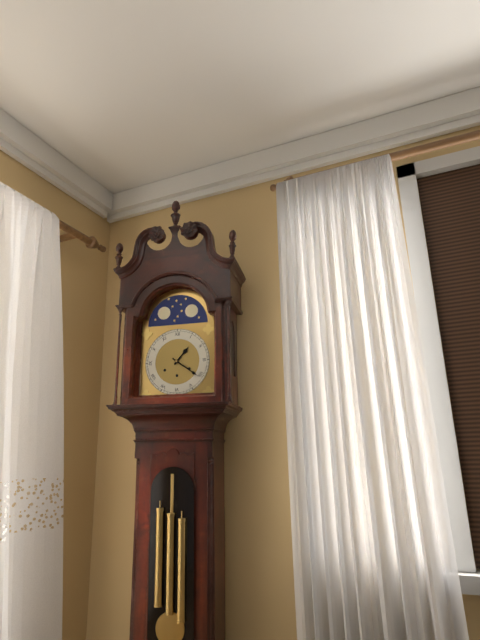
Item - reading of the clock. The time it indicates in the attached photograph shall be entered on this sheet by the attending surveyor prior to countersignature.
1:21
